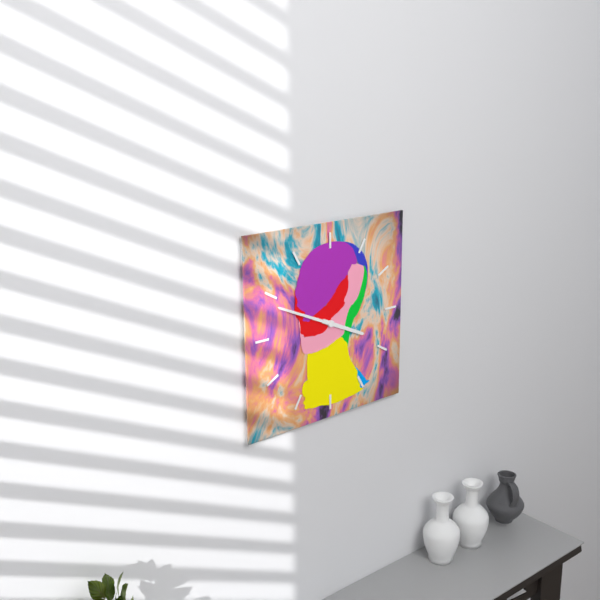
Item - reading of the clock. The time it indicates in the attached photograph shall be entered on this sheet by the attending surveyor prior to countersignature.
3:49
